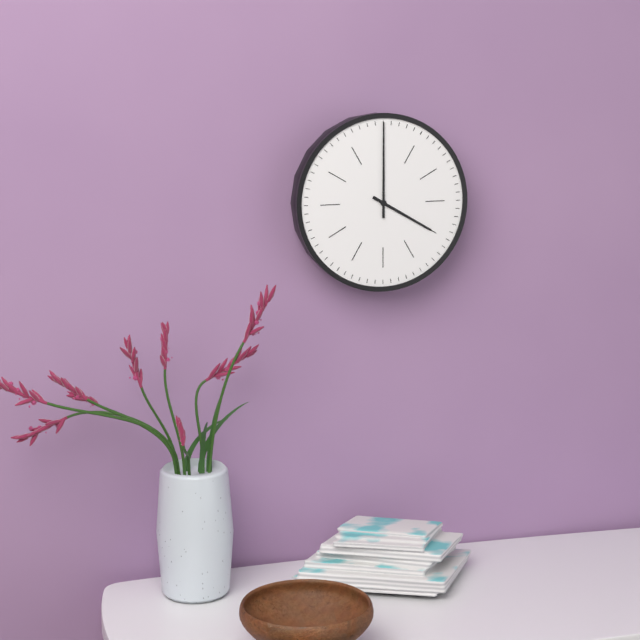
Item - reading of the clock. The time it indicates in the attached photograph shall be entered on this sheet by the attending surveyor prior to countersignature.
4:00
